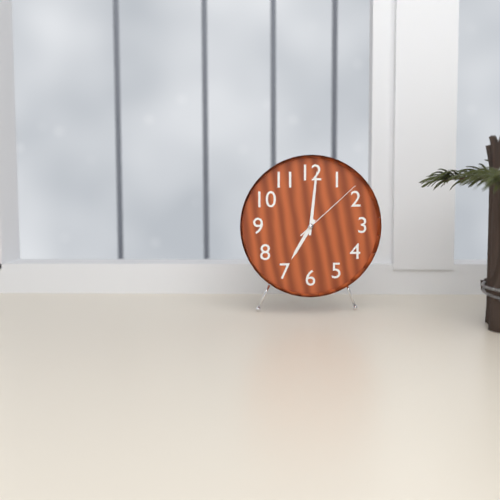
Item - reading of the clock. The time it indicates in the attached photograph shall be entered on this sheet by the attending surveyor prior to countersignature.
7:01:08
